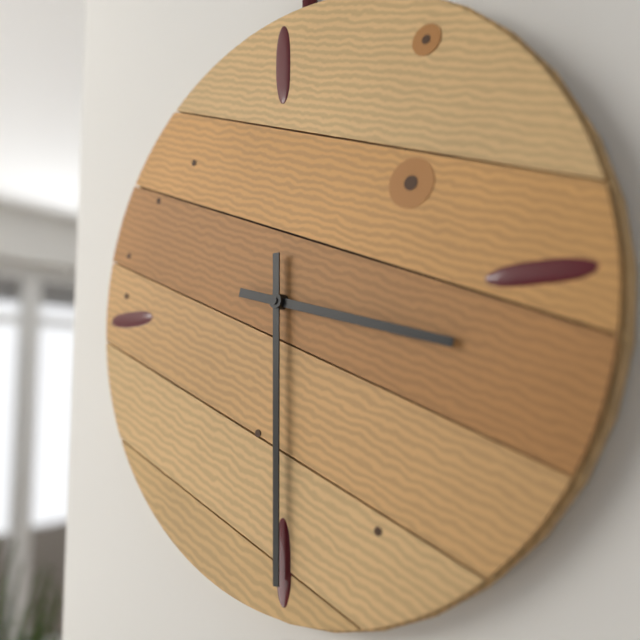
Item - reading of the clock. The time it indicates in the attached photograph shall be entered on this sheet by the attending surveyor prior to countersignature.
3:30
